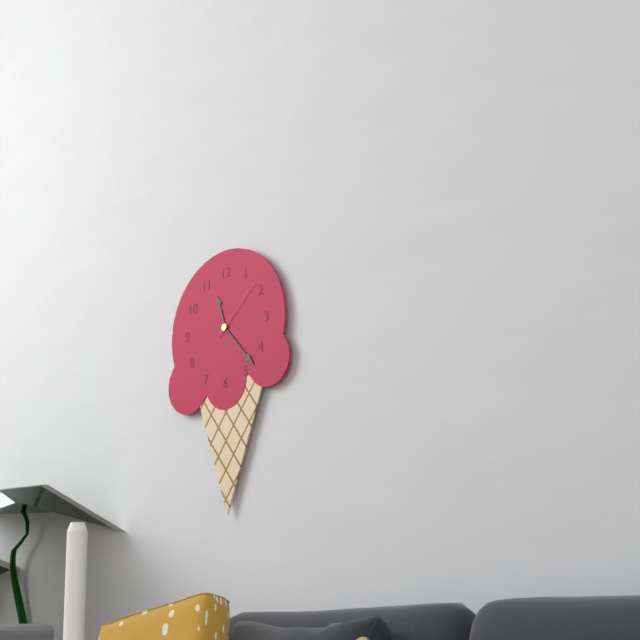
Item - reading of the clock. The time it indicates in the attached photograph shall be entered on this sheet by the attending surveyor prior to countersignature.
11:23:08
